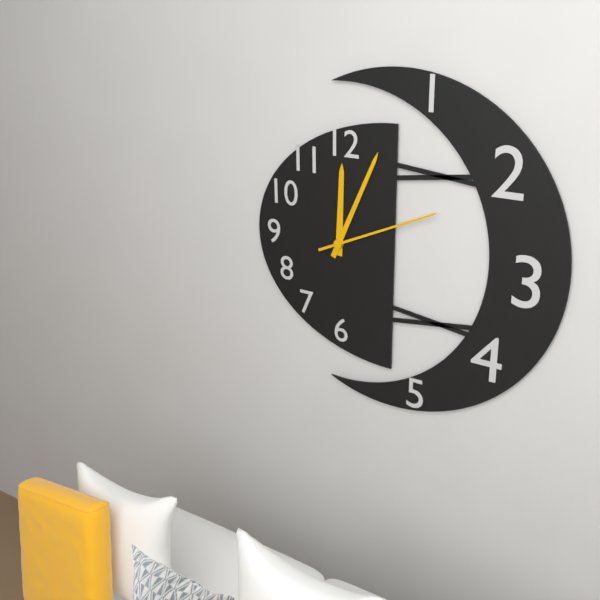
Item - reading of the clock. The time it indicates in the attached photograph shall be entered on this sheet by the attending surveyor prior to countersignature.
12:04:11
